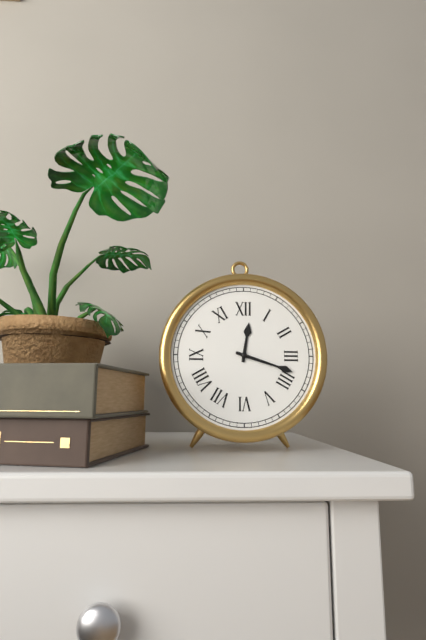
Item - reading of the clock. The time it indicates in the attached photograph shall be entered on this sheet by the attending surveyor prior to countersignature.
12:18
